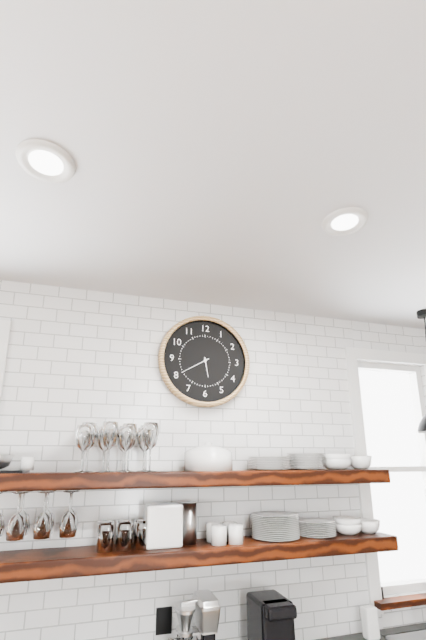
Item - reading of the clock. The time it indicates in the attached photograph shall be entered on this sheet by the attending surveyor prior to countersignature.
5:40
